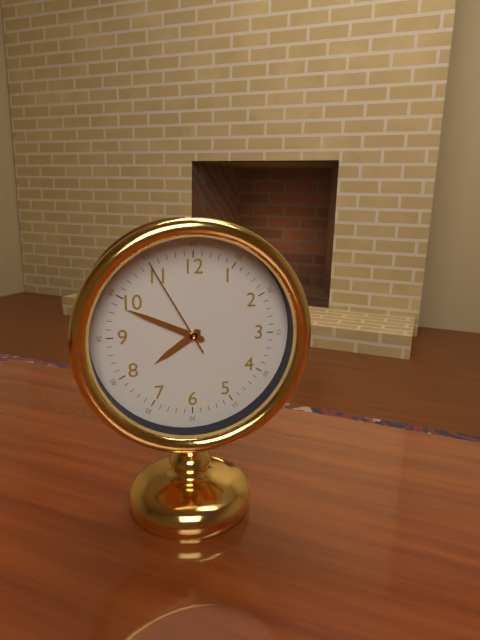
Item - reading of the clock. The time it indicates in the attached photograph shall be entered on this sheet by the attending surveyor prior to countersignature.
7:49:55
